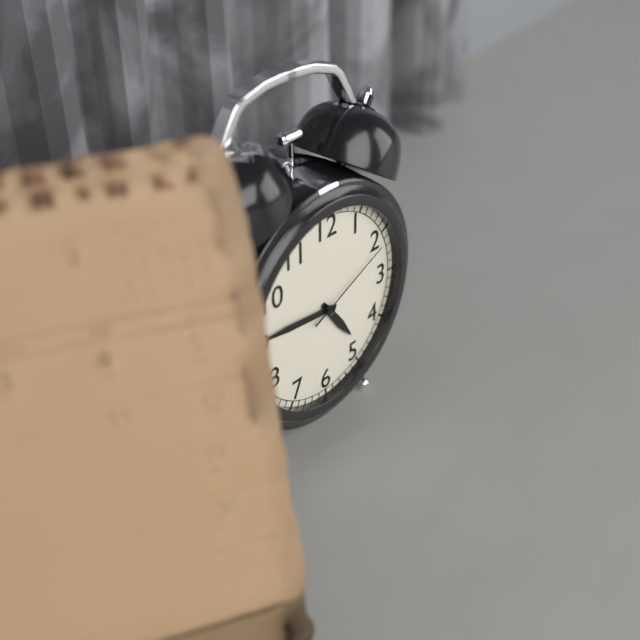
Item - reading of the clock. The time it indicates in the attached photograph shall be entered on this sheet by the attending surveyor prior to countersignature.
4:46:11
